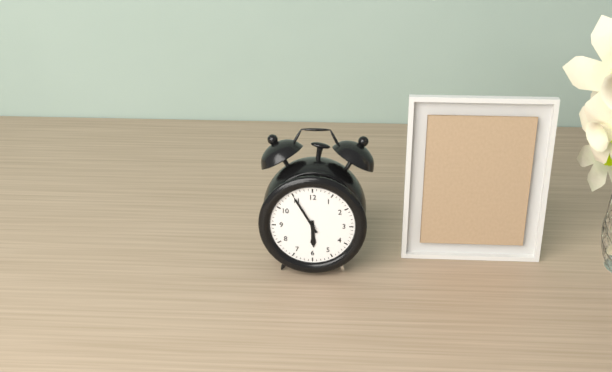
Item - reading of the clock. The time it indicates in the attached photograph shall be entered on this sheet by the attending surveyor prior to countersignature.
5:55
